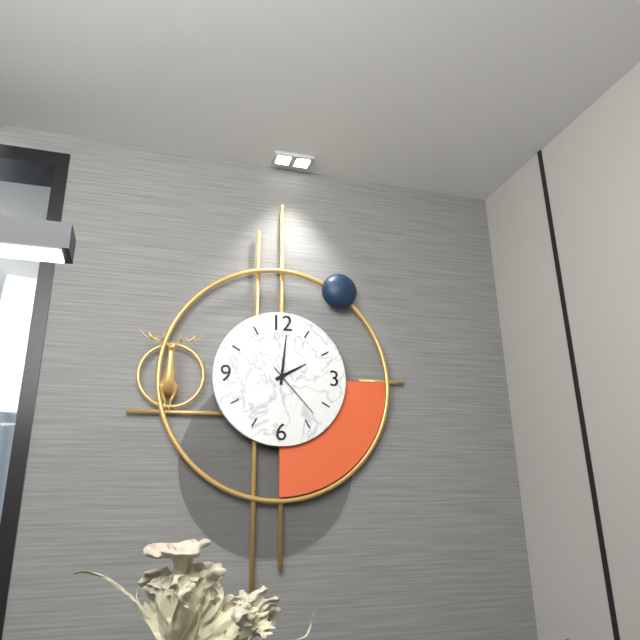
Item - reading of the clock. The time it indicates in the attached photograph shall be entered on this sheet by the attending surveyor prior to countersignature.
2:01:23
